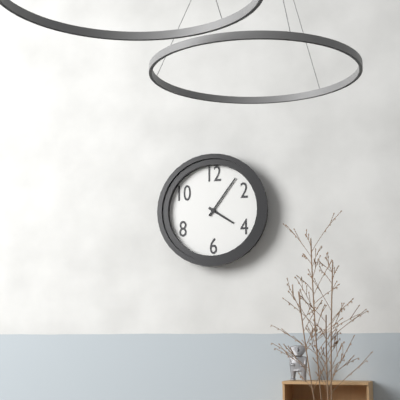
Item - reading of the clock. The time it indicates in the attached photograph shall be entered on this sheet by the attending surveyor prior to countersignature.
4:06
